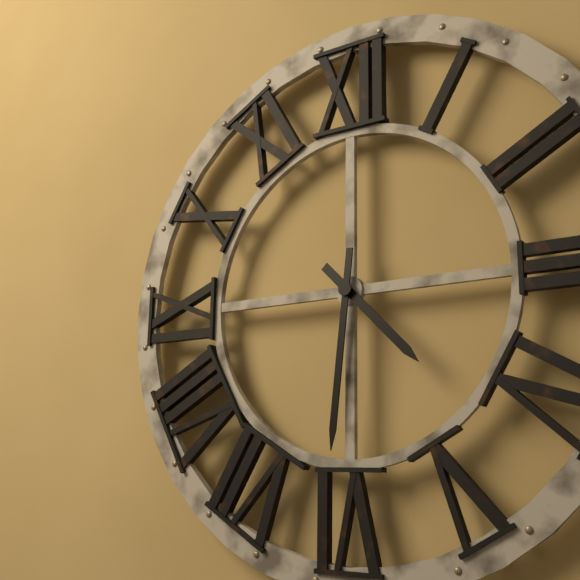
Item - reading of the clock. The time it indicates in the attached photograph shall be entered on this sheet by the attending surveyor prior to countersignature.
4:31
